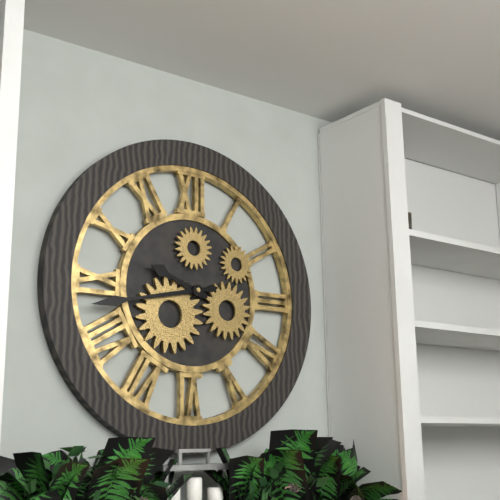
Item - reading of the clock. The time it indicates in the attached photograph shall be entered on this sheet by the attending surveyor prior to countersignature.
9:43
